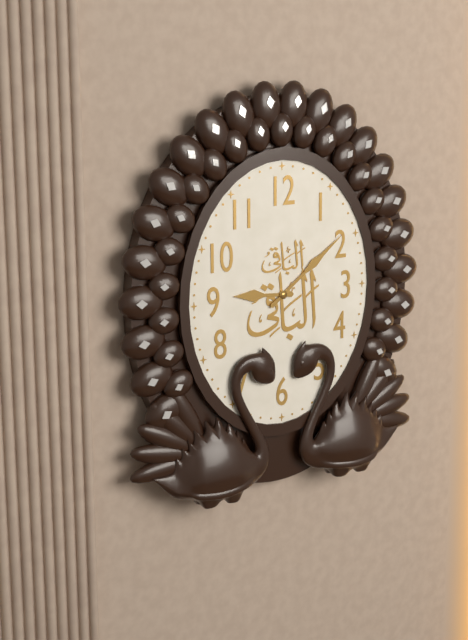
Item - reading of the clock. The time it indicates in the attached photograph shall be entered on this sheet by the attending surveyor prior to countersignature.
9:09
